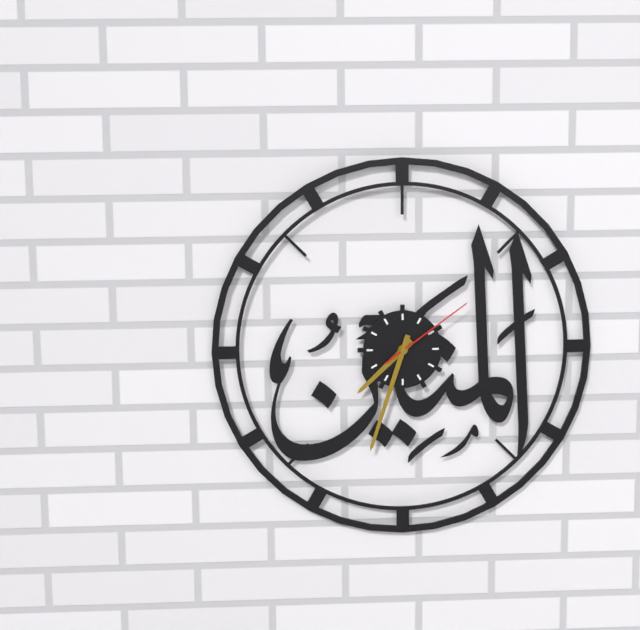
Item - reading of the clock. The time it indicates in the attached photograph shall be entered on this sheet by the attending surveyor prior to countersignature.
7:33:09
